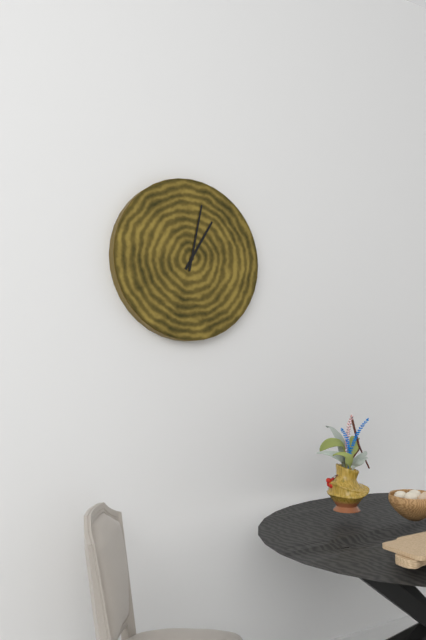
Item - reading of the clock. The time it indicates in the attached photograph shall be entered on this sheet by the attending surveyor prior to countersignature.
1:02
